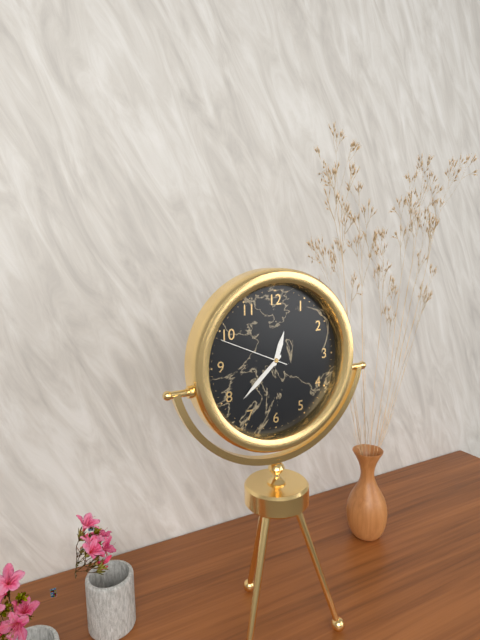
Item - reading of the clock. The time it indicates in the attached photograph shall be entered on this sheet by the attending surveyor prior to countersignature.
12:38:49
